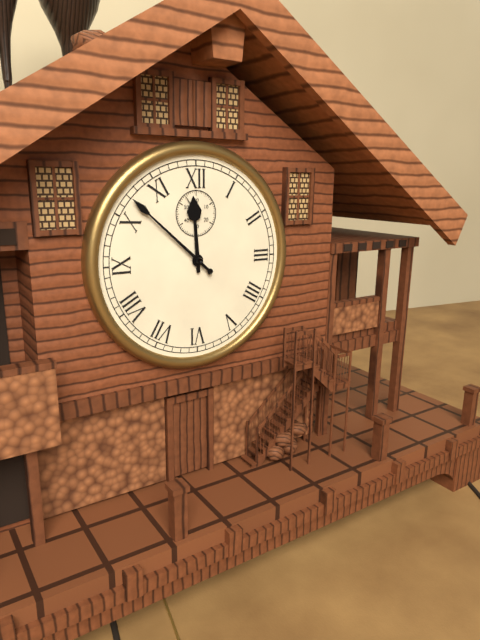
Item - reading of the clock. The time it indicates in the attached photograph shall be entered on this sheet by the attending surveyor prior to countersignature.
11:52
